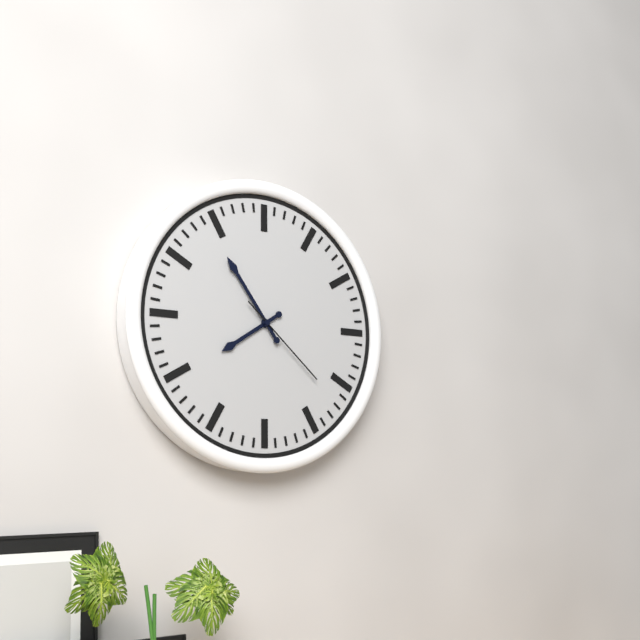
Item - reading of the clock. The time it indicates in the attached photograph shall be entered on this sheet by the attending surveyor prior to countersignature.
7:54:22
